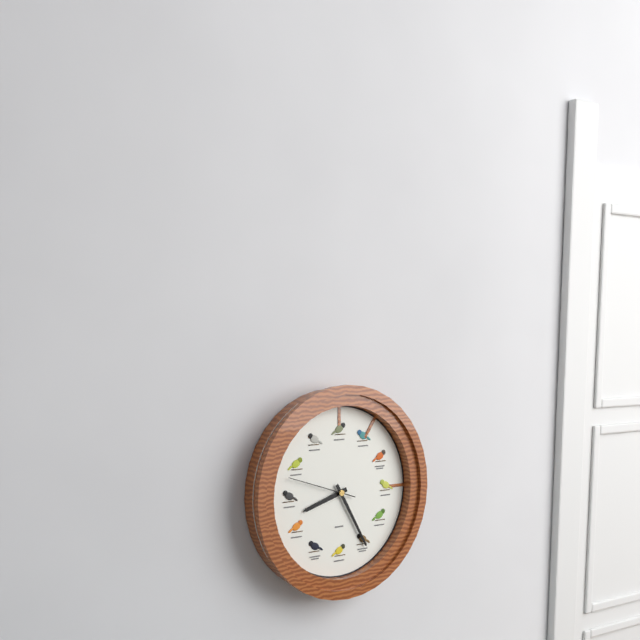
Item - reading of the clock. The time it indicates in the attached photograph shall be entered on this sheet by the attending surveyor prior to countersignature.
8:25:48
